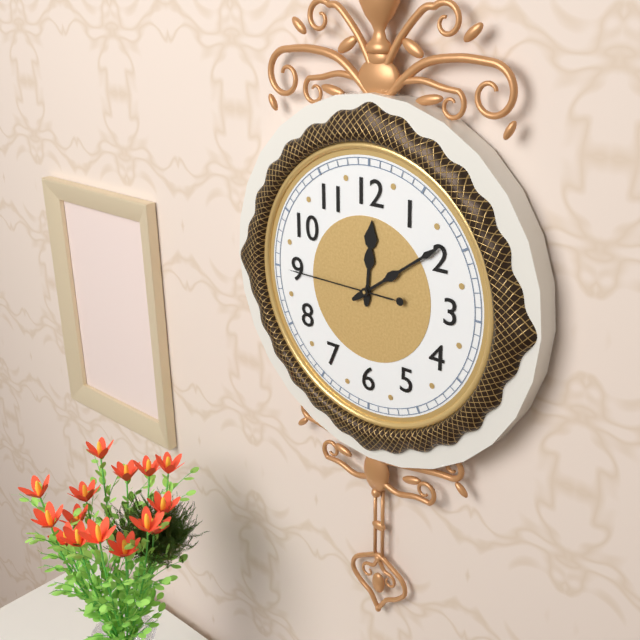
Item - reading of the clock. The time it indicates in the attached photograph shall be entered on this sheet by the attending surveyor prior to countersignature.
12:09:45
